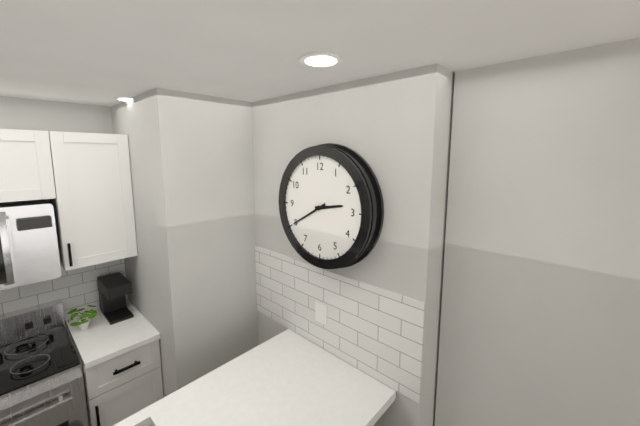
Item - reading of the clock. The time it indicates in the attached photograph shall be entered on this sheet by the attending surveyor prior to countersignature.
2:40
